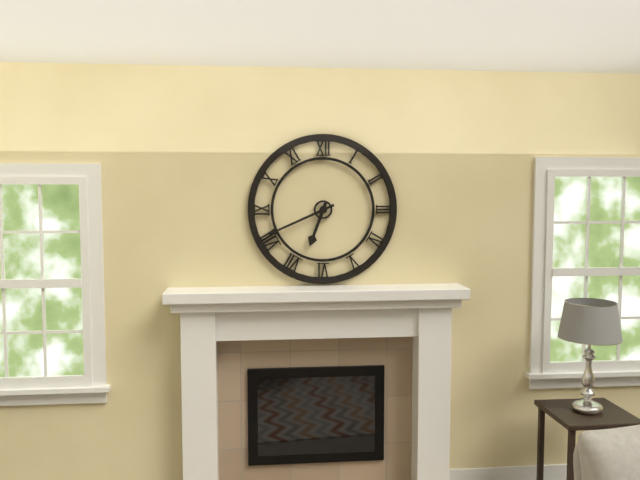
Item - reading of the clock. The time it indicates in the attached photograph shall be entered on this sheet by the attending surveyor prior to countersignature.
6:41
